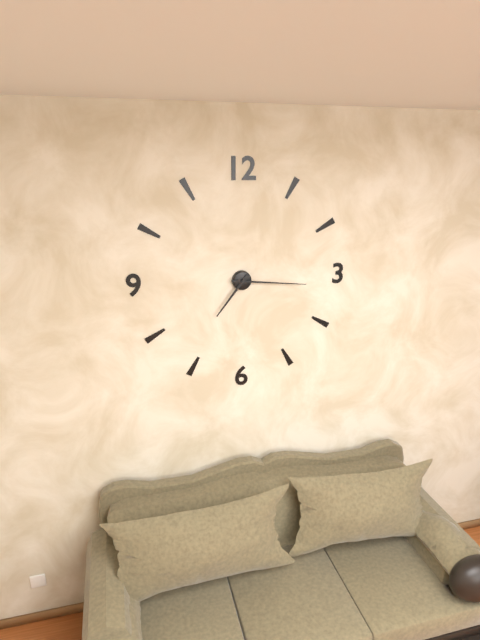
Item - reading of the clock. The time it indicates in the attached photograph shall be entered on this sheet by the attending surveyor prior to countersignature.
7:16
